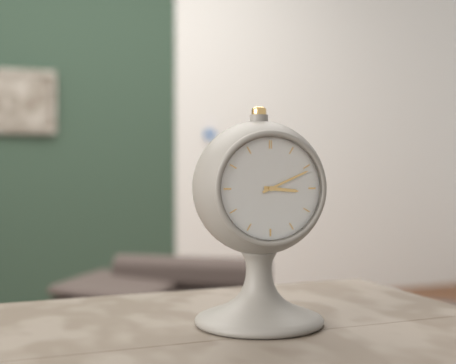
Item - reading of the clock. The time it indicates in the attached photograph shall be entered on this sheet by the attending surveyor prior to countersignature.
3:11
